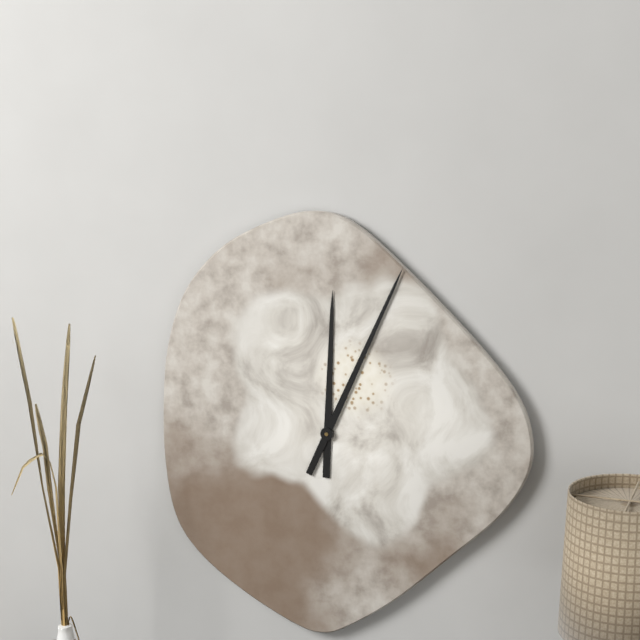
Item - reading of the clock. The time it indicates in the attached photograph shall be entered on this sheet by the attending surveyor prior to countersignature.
12:04
